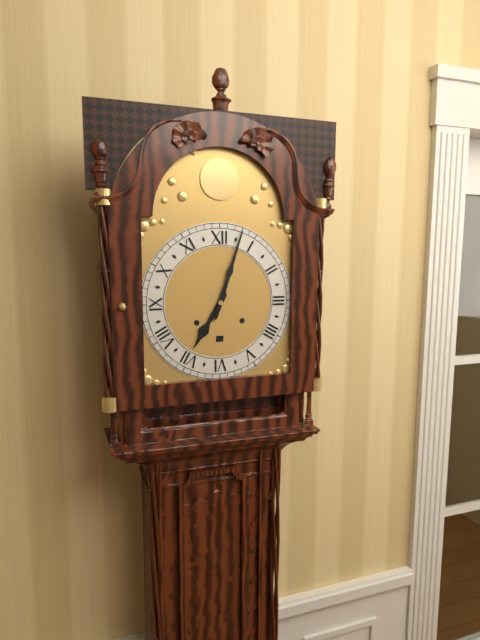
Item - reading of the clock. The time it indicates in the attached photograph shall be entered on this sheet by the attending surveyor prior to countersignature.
7:03
